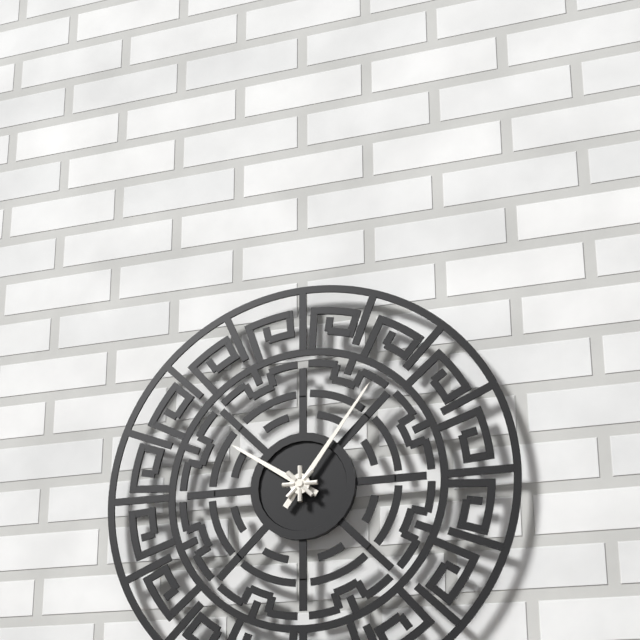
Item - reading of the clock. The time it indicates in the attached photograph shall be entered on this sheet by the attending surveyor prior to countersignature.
10:06
